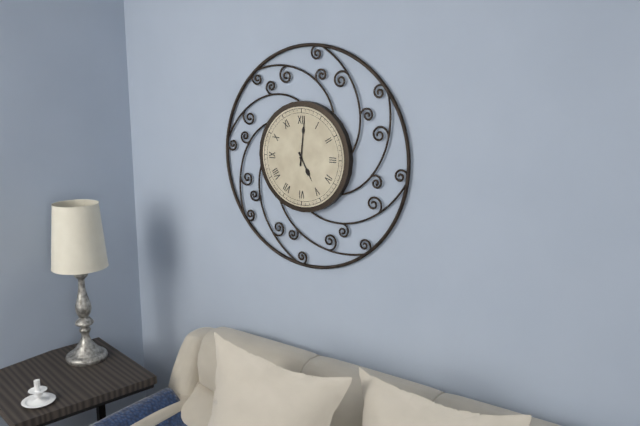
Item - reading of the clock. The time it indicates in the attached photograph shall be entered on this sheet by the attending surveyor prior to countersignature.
5:01
